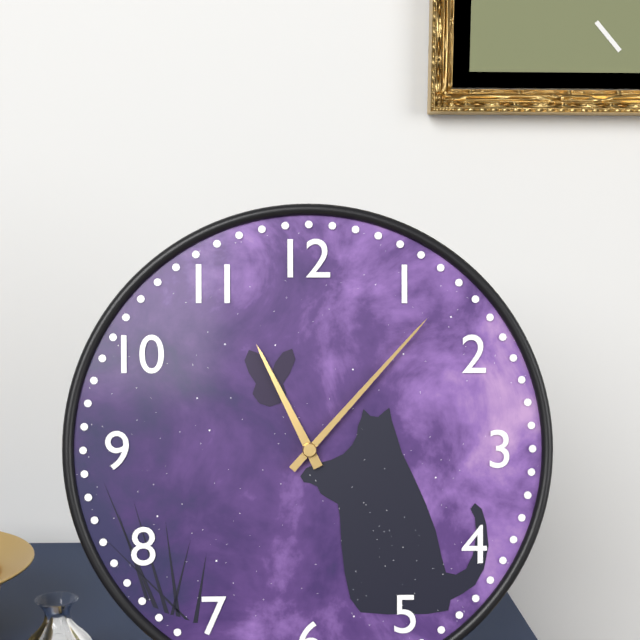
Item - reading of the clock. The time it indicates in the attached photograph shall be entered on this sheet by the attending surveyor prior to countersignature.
11:07
